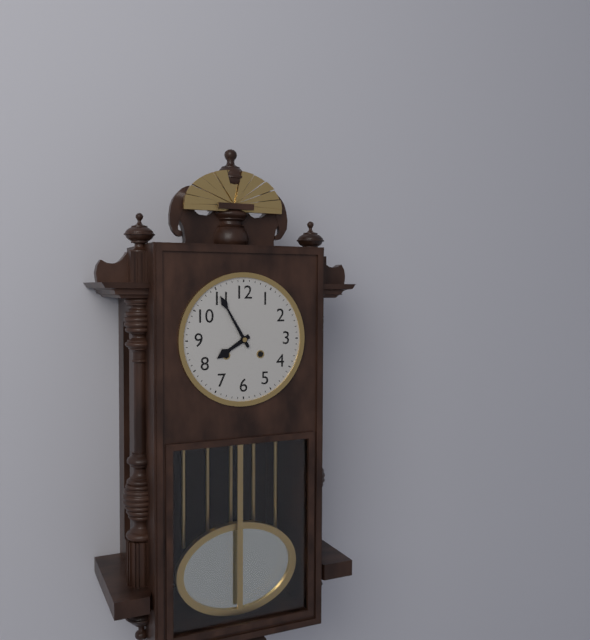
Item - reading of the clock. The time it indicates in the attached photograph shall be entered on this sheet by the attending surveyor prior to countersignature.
7:55
